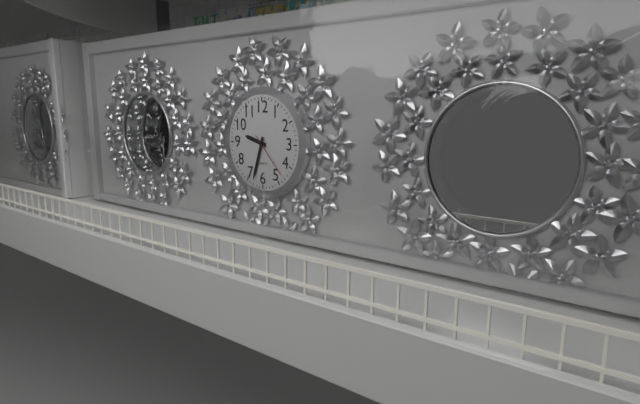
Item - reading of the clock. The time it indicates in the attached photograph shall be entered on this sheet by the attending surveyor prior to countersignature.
9:33:23
